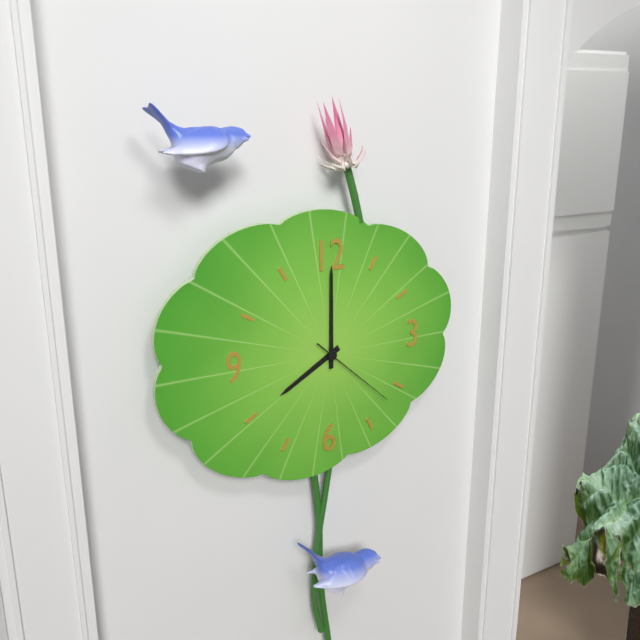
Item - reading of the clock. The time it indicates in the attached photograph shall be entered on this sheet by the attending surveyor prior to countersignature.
8:00:22
